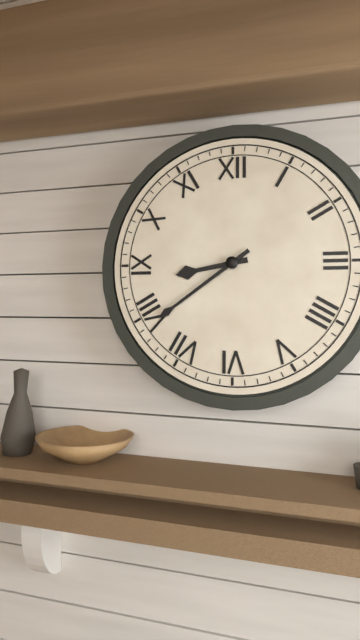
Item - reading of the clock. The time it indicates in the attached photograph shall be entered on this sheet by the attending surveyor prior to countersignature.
8:39
